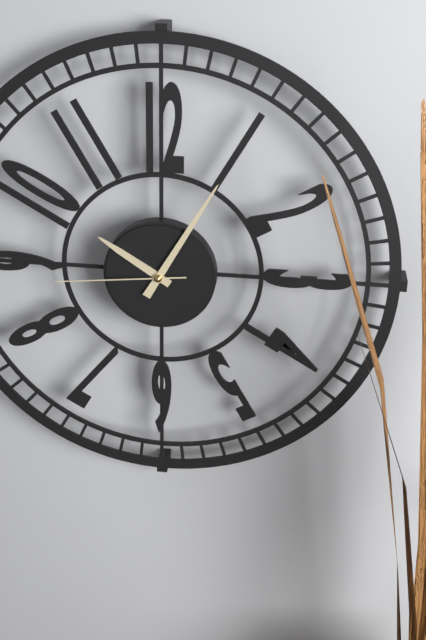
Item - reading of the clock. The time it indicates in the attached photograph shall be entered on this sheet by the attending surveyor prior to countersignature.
10:05:44
